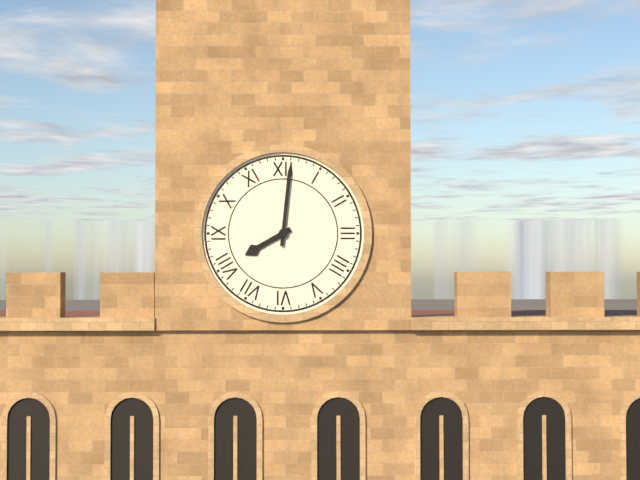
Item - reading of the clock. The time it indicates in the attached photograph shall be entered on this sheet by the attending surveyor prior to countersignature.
8:01
